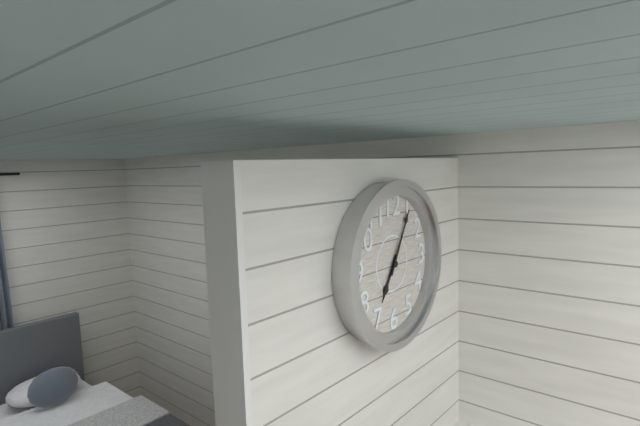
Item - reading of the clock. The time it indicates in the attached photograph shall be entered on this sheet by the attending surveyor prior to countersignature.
7:05
